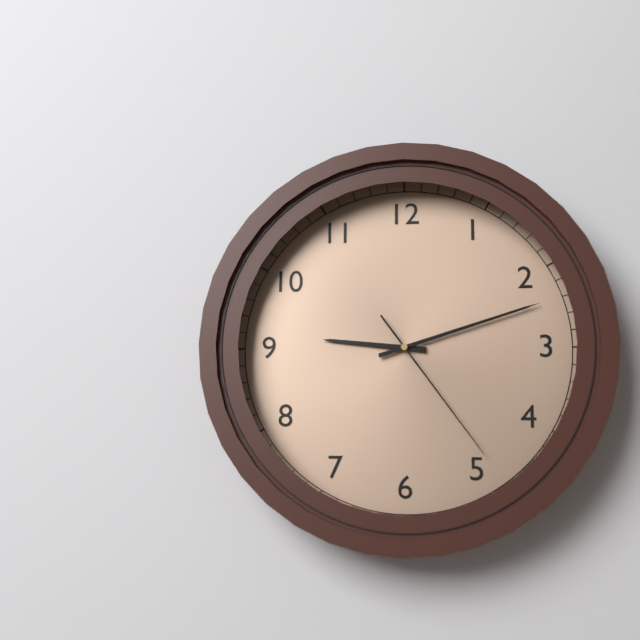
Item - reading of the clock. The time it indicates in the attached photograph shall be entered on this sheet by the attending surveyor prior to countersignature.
9:12:24
